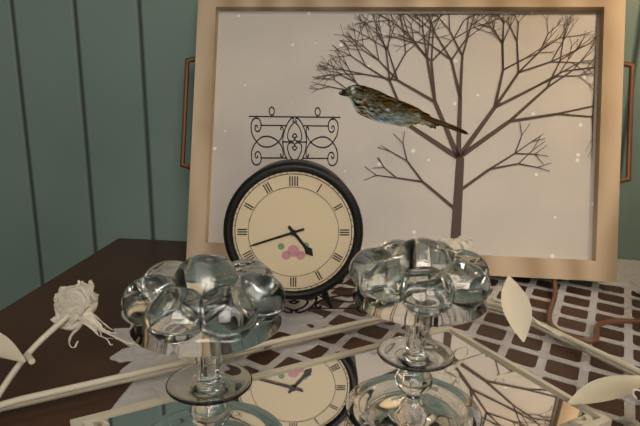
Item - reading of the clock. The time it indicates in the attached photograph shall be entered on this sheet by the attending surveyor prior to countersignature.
4:42
